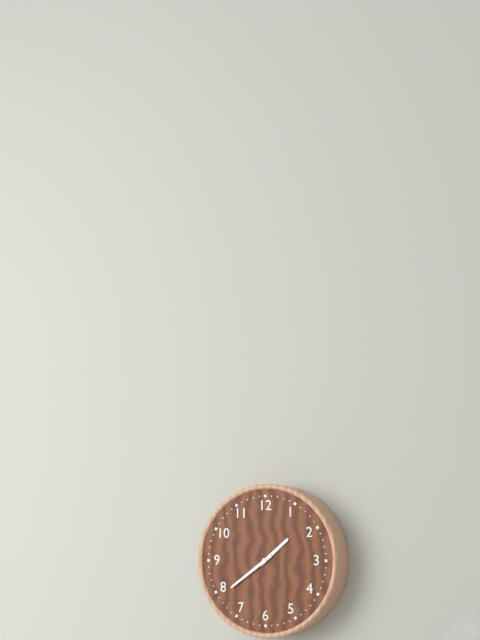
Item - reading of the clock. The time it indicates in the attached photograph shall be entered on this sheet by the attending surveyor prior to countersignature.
1:39
